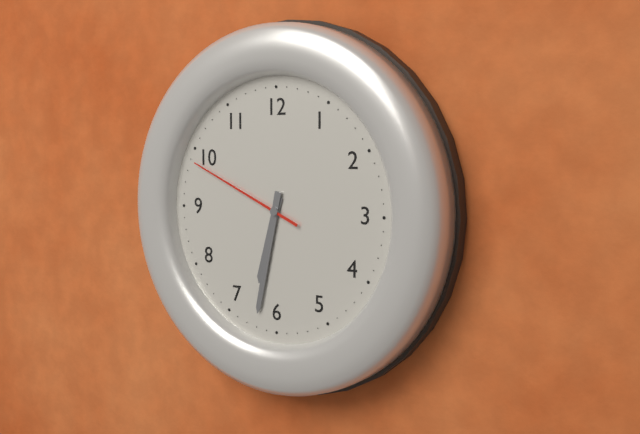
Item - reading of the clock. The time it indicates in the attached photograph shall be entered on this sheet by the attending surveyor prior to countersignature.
6:32:49
